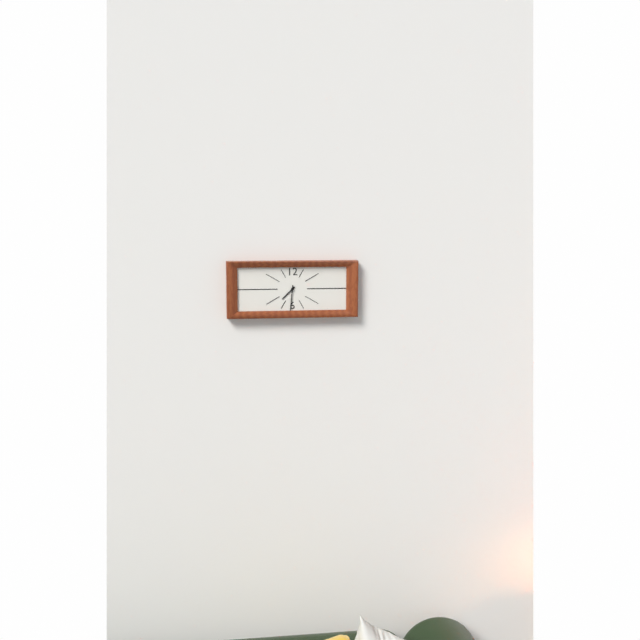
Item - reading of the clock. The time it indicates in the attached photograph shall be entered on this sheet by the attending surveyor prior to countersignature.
7:31
